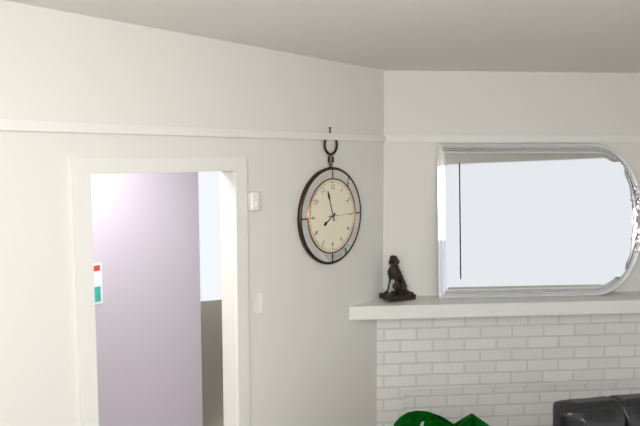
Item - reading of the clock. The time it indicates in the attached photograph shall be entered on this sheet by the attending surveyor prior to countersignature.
7:57
